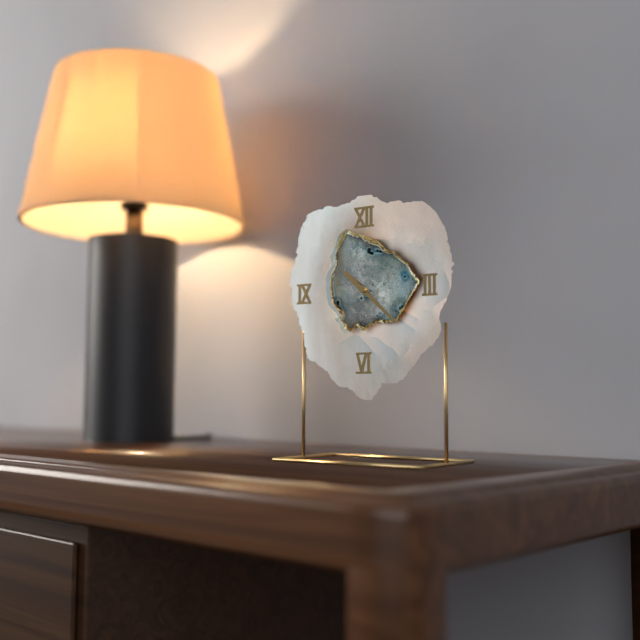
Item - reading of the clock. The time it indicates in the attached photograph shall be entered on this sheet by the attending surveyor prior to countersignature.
10:22
